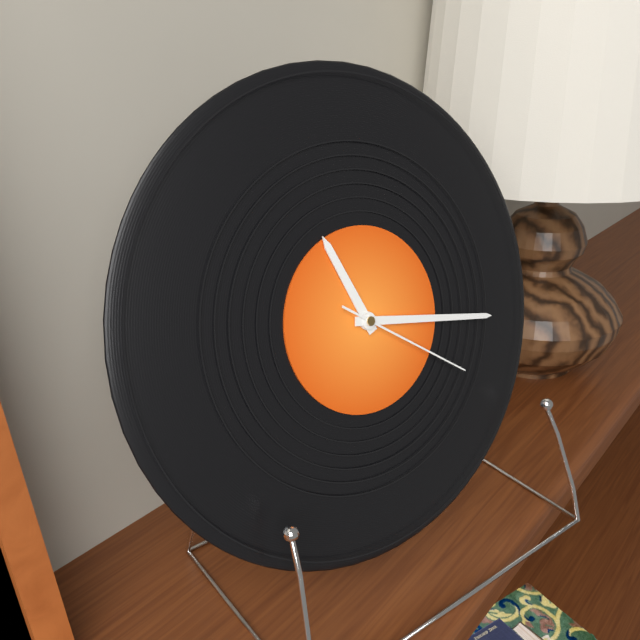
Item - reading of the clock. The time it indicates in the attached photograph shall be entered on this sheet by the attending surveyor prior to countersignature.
11:17:21
